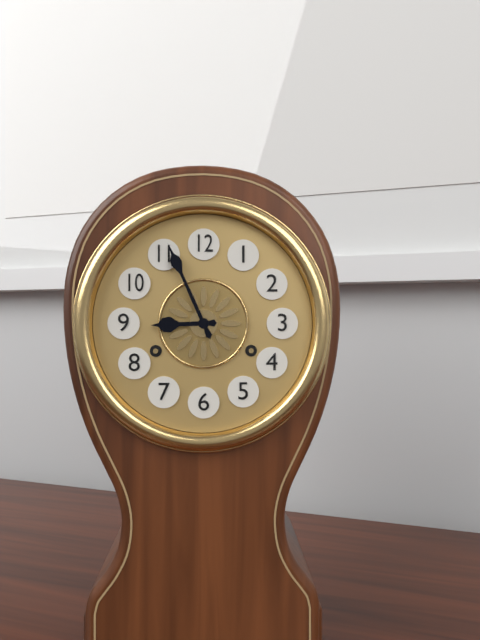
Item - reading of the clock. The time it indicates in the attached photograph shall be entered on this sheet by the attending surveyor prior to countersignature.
8:56
